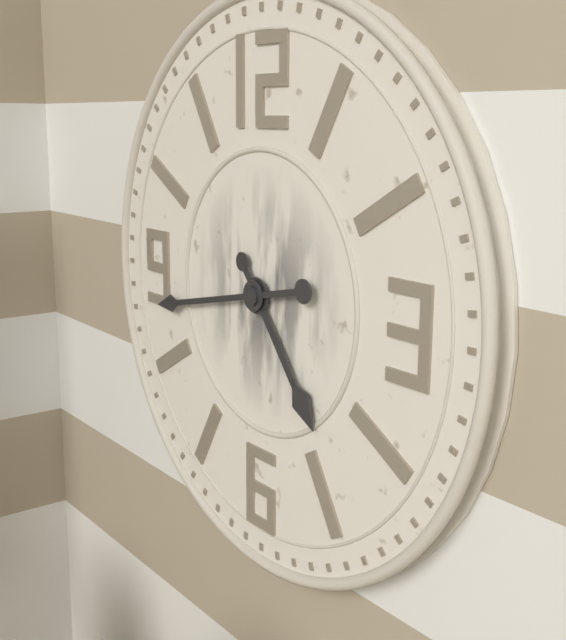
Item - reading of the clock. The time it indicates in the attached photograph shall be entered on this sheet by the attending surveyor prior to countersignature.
4:43
